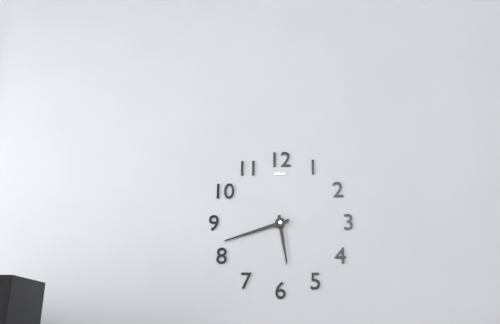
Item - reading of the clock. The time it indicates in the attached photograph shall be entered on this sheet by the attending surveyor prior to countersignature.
5:42
